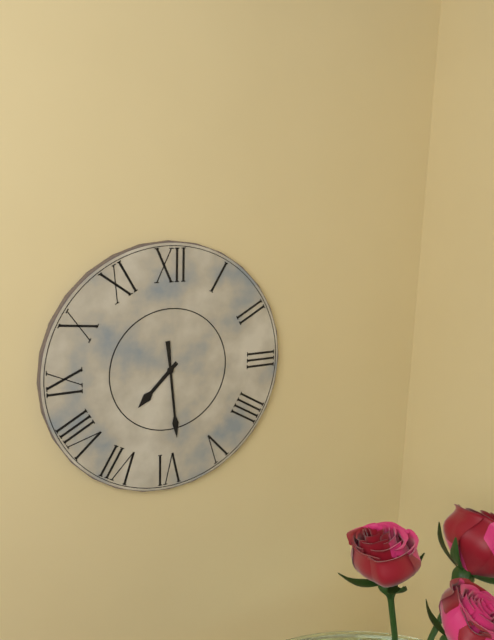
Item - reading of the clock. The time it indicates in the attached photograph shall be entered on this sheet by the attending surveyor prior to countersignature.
7:29
